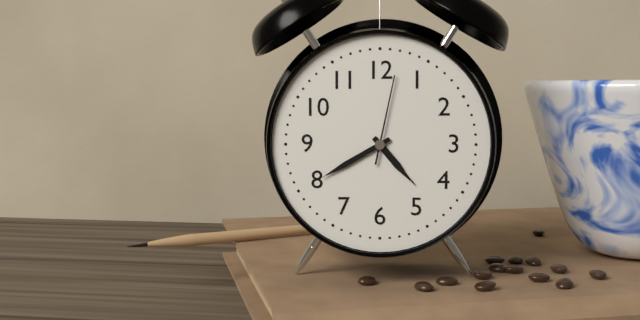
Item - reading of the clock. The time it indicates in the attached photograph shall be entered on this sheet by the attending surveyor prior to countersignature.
4:40:02
